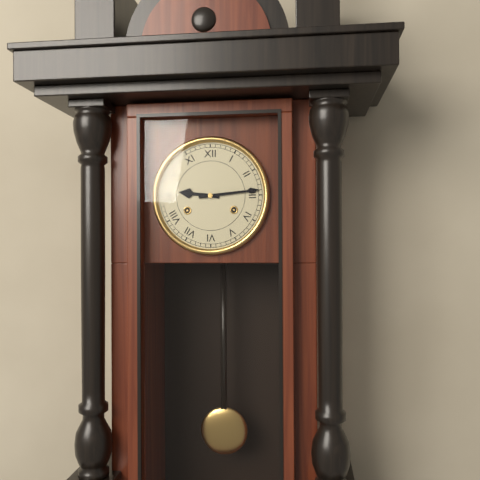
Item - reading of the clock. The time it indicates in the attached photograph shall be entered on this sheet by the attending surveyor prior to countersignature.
9:14
